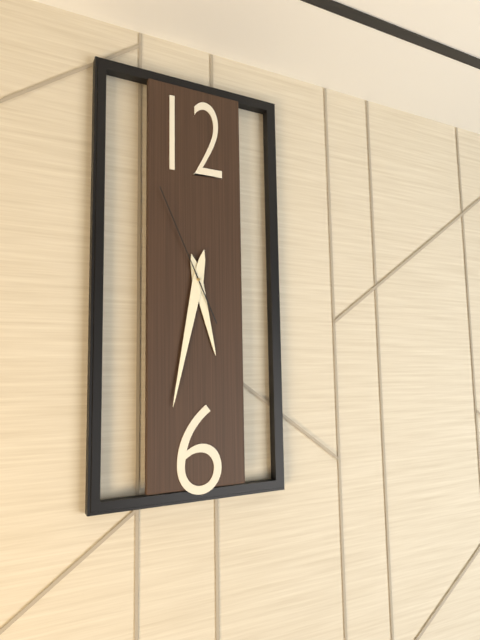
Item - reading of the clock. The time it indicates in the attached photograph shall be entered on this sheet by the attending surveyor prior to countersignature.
5:32:56
